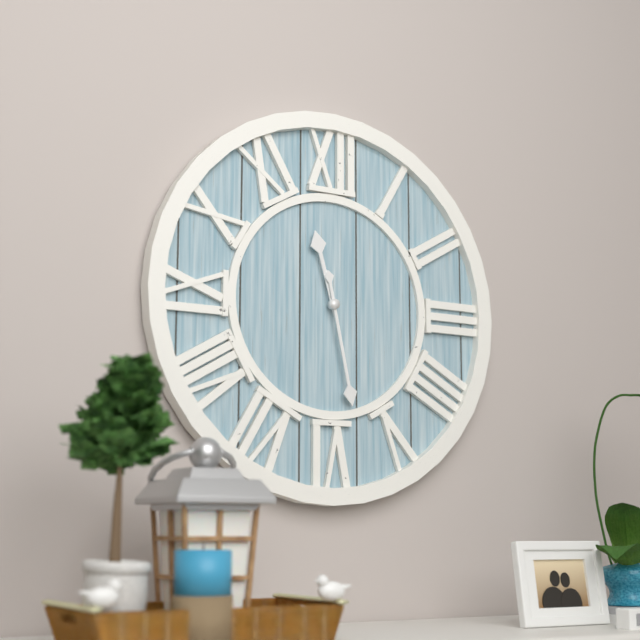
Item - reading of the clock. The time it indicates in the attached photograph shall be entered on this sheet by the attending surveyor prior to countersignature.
11:28
